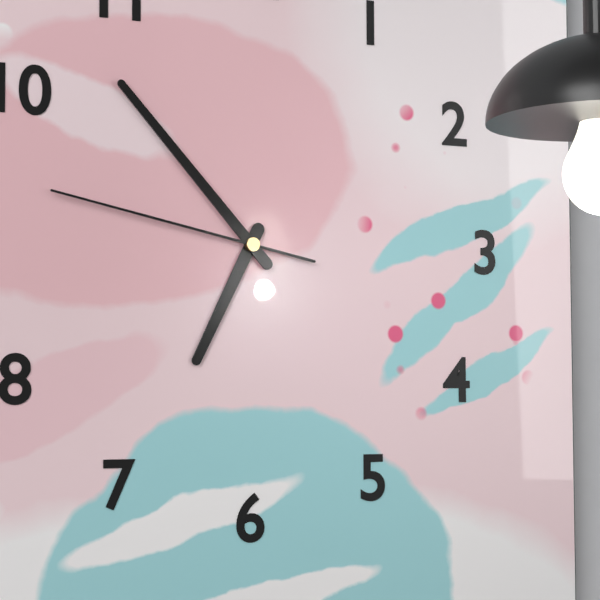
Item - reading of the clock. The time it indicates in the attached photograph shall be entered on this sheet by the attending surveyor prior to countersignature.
6:53:47
